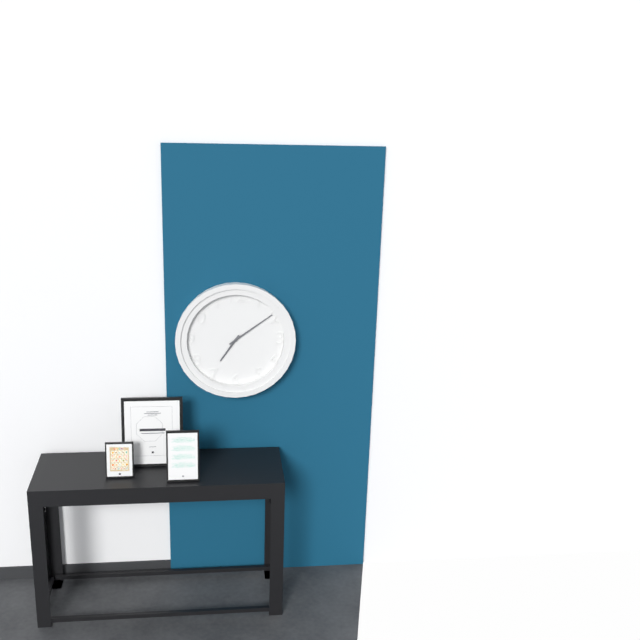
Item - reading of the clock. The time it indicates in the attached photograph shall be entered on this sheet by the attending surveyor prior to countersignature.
7:09
